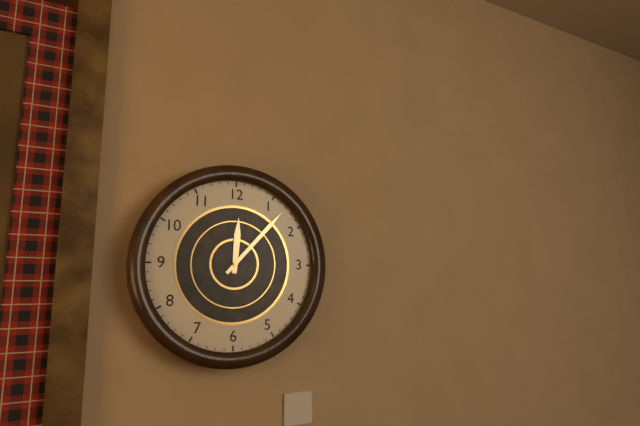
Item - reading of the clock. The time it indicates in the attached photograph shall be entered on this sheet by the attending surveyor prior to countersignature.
12:07
